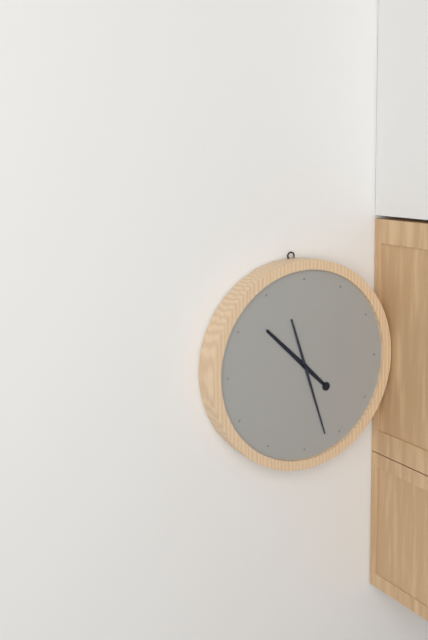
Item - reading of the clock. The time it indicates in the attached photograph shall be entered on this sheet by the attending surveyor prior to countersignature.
10:27
